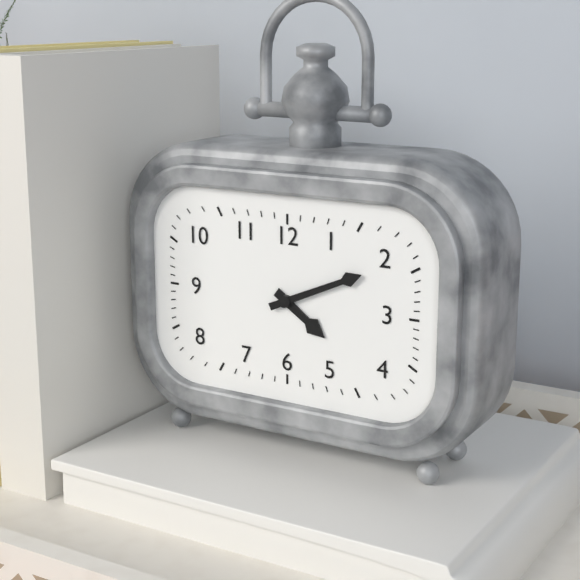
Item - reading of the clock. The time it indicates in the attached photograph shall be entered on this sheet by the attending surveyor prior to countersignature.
4:11
